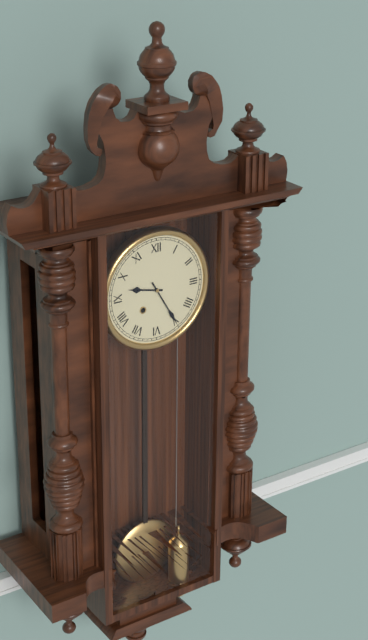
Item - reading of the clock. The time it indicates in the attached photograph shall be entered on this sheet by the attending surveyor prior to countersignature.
9:25
